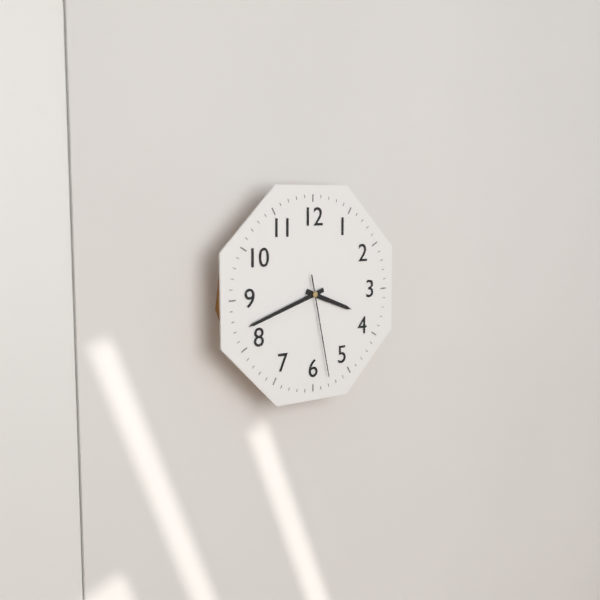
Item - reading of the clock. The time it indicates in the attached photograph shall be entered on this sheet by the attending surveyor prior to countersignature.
3:42:28
